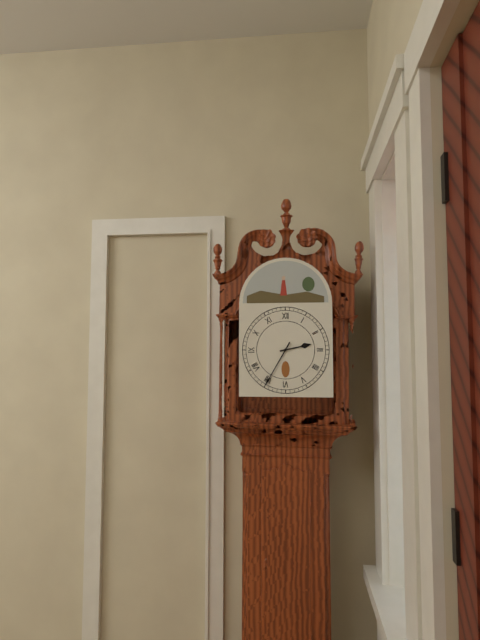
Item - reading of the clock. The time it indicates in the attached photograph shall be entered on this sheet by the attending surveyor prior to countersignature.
2:35
